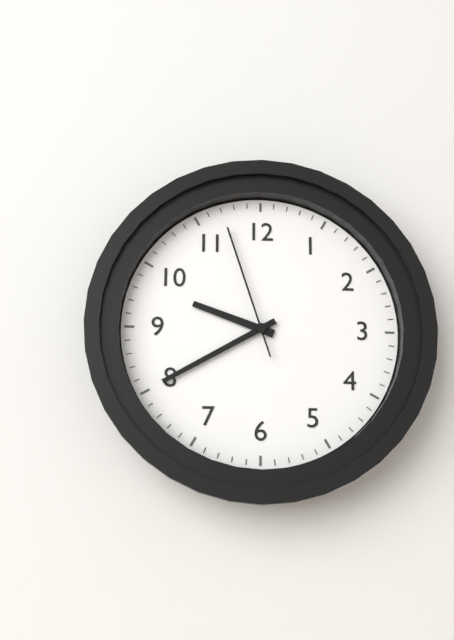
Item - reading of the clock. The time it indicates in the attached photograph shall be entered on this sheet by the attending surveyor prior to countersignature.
9:40:57
